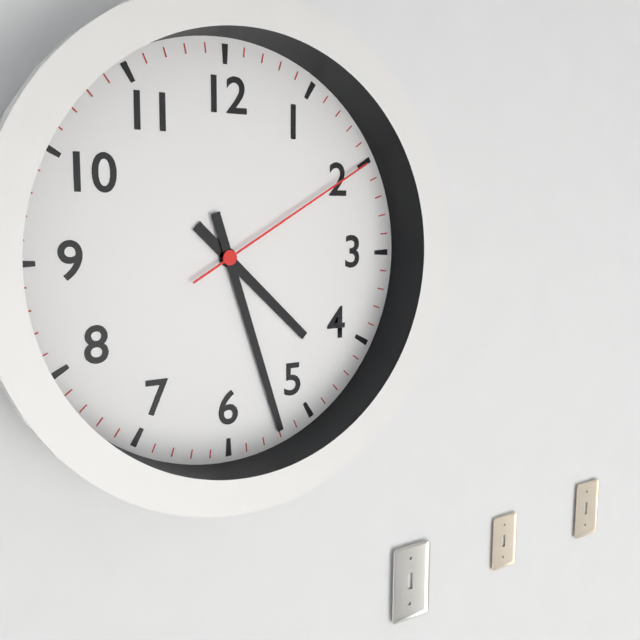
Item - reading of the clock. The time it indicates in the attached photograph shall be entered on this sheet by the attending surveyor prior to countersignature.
4:27:10
